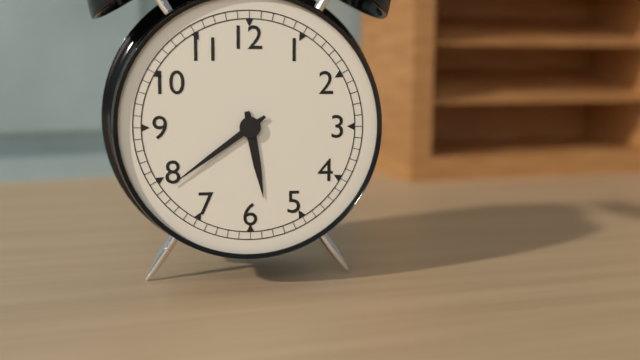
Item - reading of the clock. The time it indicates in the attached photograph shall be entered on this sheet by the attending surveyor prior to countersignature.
5:39
